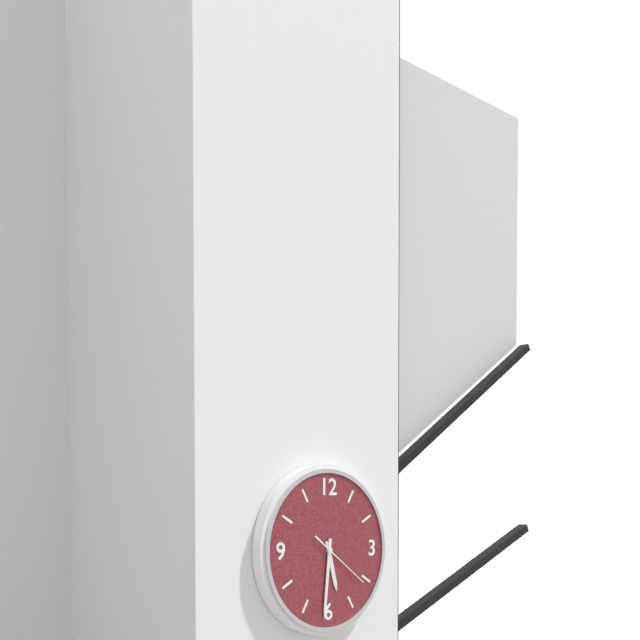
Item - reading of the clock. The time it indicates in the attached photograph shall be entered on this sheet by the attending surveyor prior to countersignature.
5:31:21
